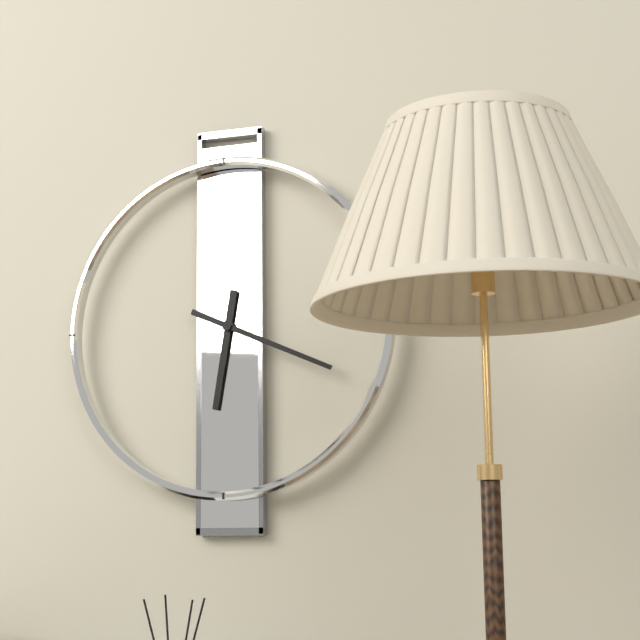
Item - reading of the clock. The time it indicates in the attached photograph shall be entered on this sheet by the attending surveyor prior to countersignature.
6:19
